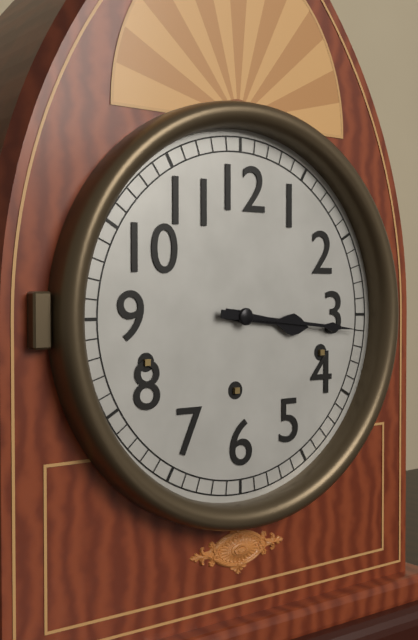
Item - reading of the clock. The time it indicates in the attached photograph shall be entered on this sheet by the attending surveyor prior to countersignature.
3:16
